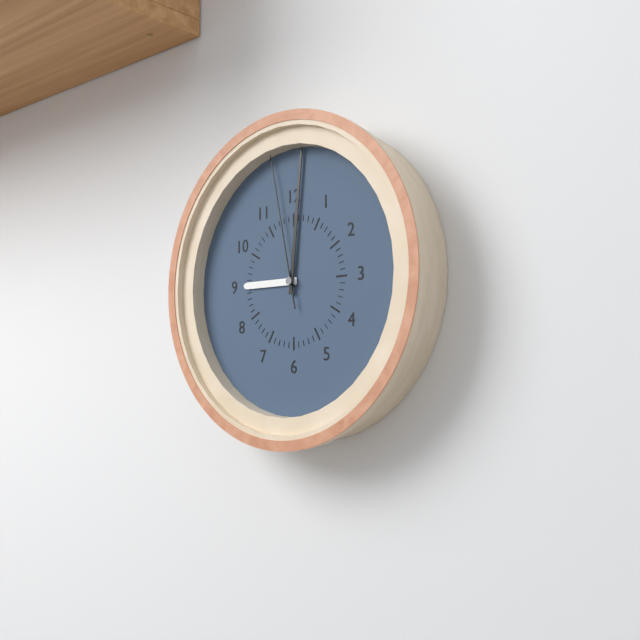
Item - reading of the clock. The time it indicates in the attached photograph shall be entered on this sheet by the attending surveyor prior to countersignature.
9:01:58
